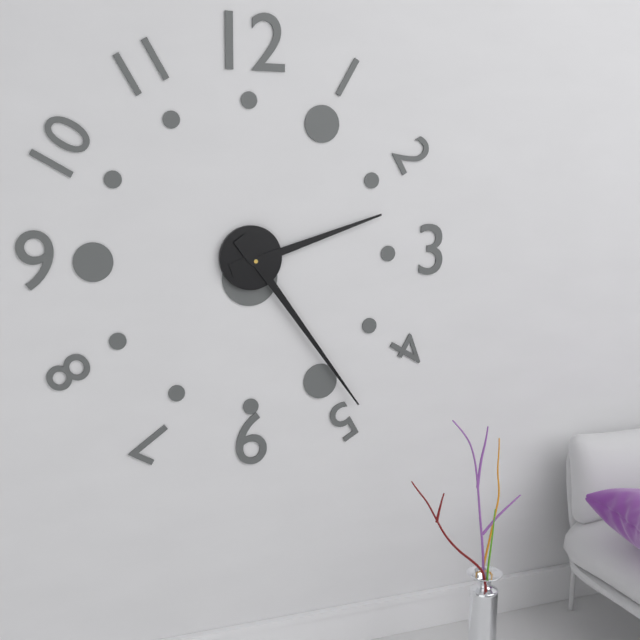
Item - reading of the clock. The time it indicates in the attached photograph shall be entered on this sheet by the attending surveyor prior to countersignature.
2:24
